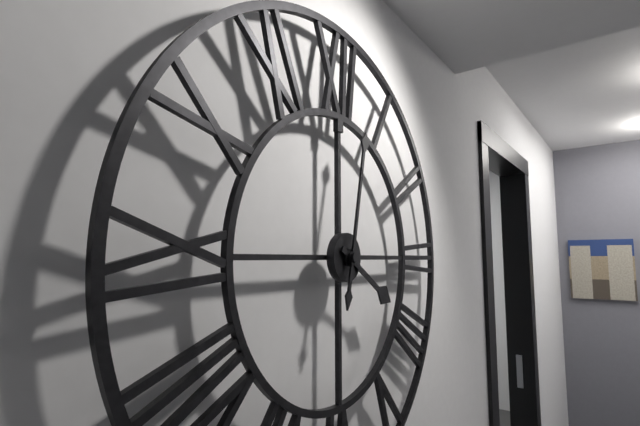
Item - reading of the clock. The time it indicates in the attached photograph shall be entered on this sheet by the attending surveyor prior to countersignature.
4:02
